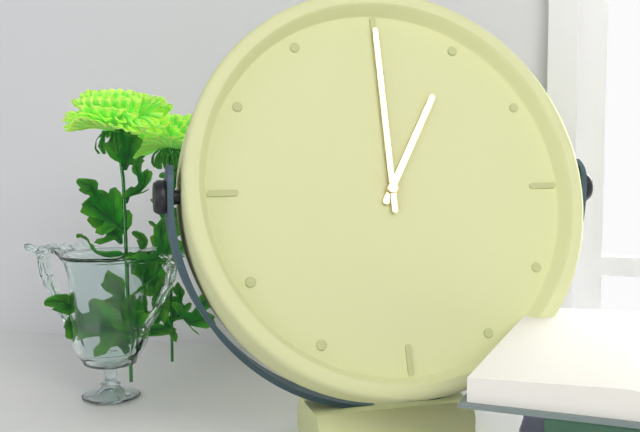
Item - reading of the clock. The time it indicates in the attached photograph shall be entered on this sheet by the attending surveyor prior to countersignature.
1:00
